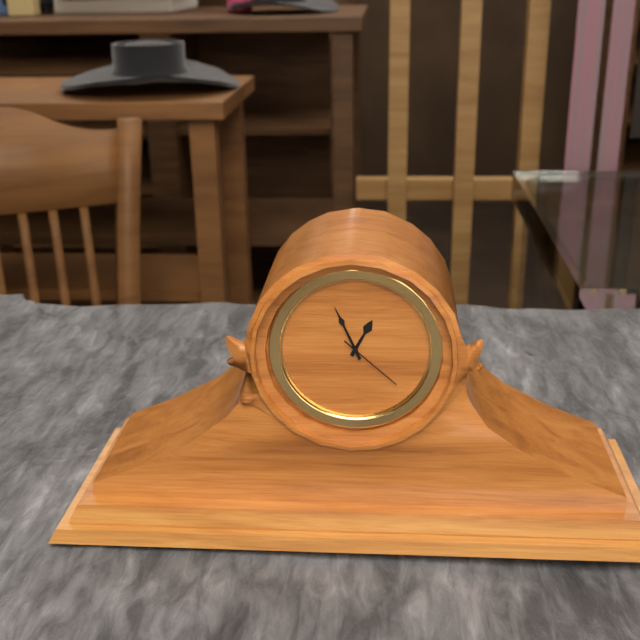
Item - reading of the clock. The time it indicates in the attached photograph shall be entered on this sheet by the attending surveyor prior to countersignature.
12:56:22
